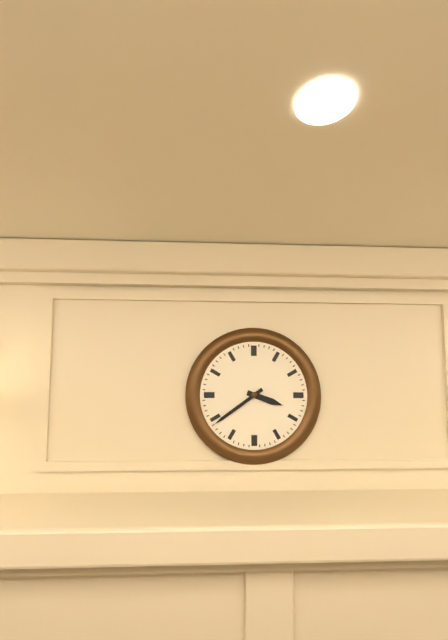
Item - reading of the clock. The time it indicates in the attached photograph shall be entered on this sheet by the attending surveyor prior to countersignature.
3:39
